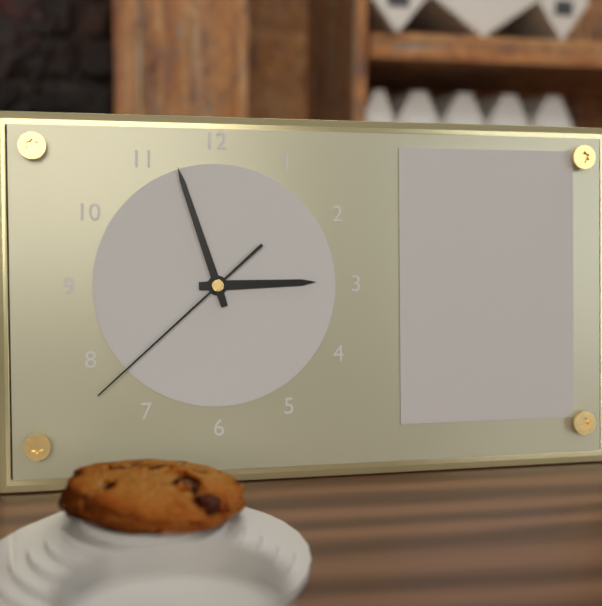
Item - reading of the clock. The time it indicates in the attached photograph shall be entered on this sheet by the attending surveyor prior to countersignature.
2:57:38
